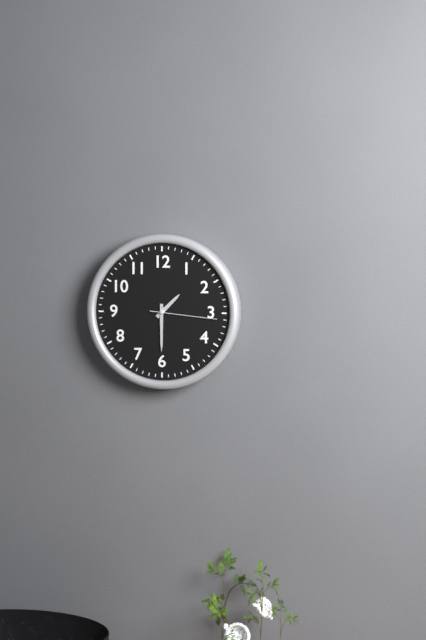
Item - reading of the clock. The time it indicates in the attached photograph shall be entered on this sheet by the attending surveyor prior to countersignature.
1:30:16
